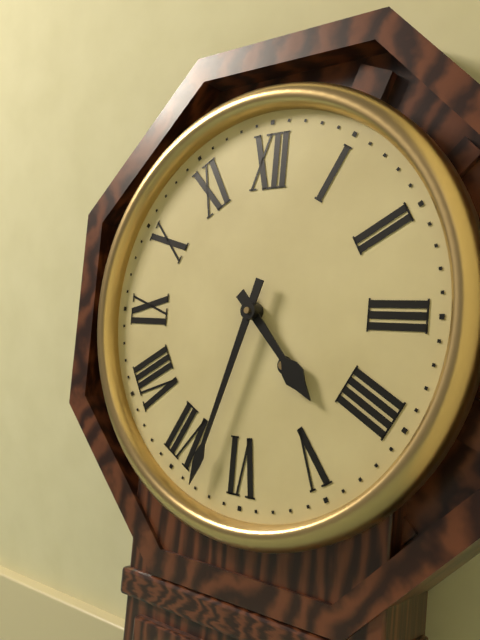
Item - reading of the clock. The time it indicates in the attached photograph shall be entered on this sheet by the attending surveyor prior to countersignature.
4:33
